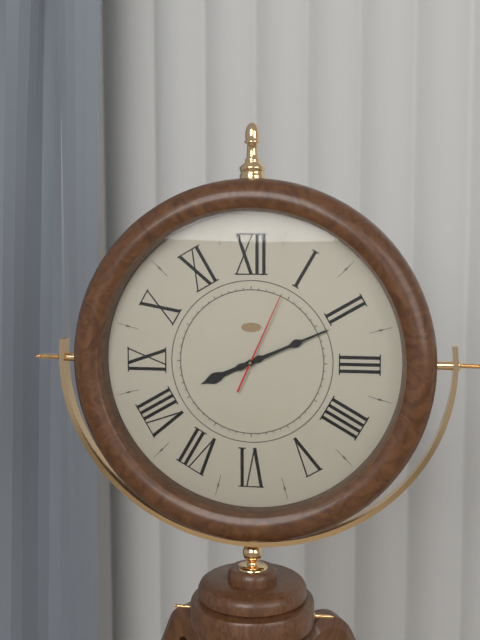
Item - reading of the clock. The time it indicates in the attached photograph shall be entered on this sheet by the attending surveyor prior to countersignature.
8:11:04
